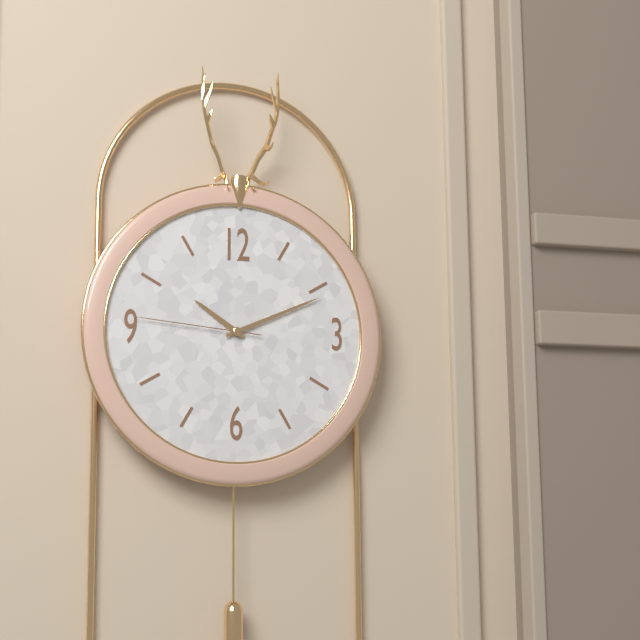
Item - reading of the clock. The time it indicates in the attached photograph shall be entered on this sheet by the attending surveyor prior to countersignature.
10:11:46
